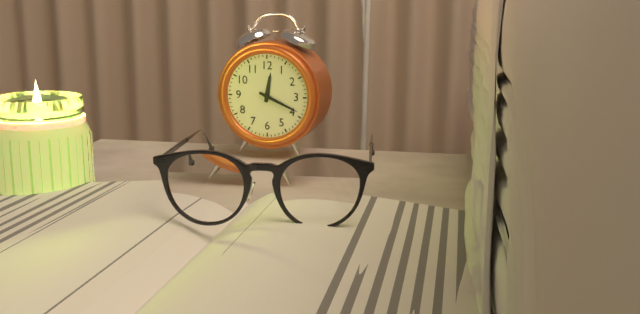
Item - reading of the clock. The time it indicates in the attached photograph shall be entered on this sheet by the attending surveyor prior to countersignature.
12:19
